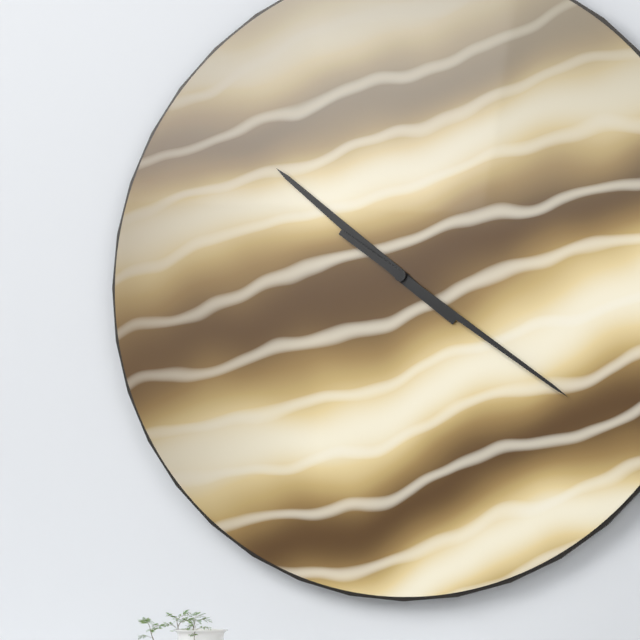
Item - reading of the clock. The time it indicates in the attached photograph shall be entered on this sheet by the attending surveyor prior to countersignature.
10:21
